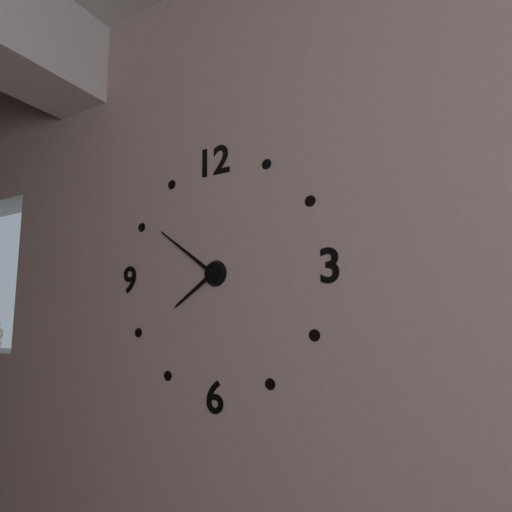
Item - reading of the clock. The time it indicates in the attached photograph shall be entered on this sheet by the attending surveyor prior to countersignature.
7:51
